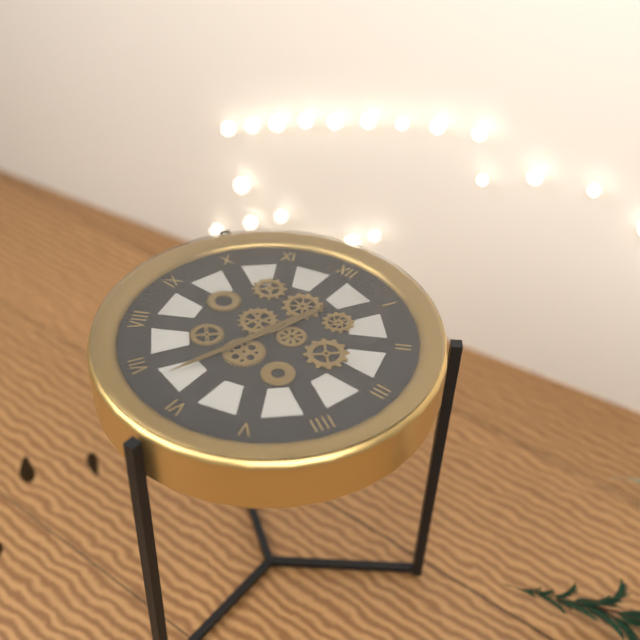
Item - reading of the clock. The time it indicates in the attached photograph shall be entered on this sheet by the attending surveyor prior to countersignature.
12:33
